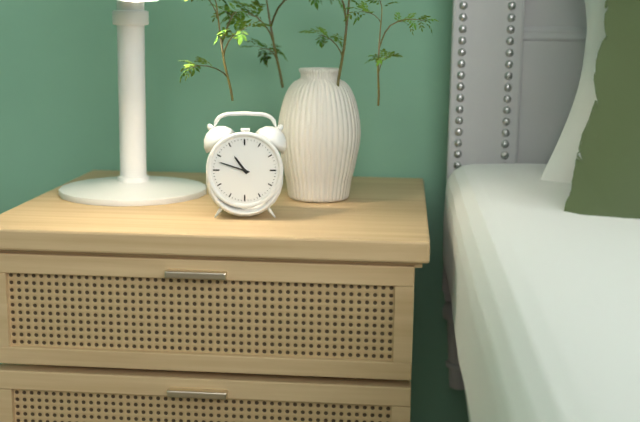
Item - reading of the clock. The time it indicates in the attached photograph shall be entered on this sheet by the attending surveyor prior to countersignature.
10:48
